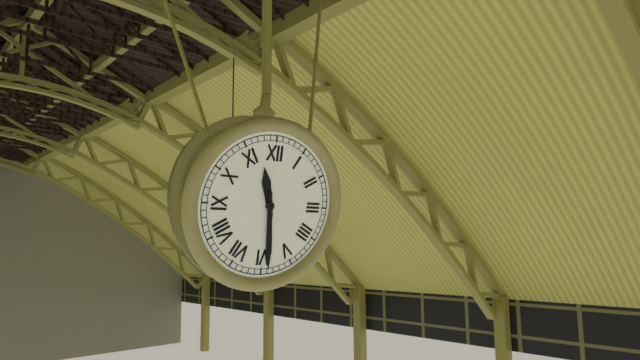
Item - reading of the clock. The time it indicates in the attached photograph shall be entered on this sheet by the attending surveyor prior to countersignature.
11:29
